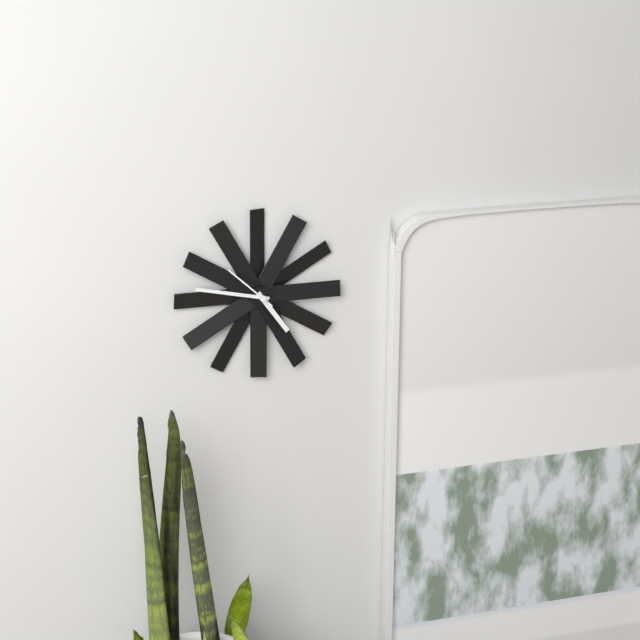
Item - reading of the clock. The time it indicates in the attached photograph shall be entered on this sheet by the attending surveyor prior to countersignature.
4:47:52
